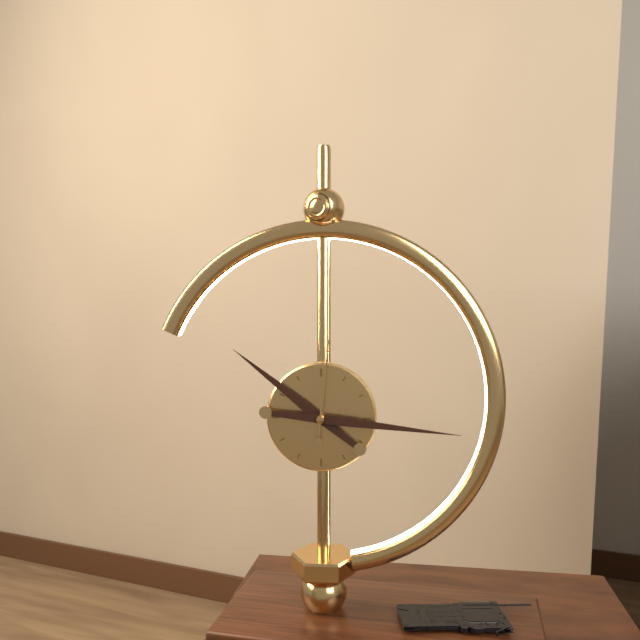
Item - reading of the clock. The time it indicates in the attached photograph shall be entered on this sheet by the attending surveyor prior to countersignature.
10:16:01
